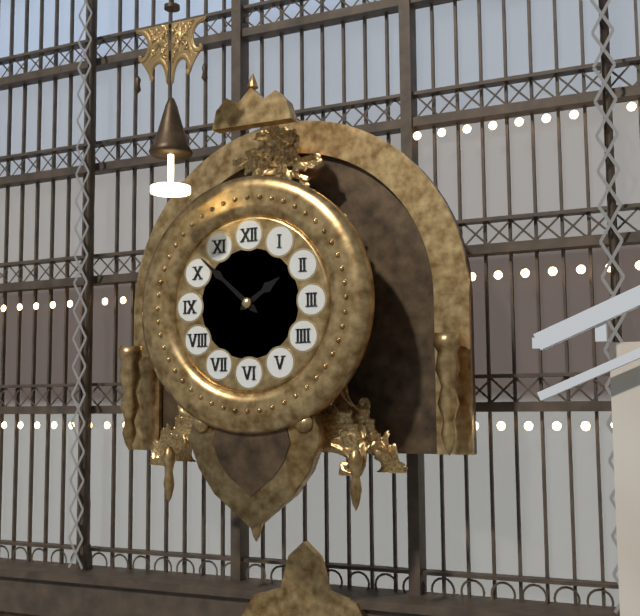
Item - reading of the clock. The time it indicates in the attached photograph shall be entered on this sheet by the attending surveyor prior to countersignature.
1:52
